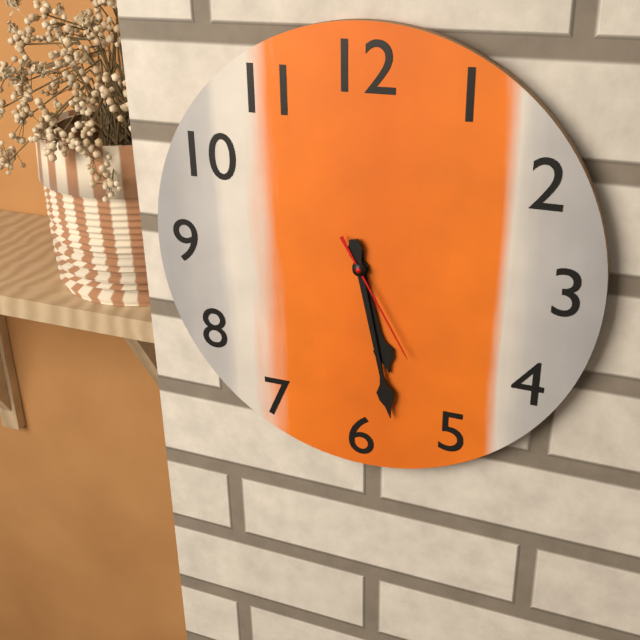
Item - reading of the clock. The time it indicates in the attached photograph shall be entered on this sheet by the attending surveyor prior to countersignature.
5:28:25
